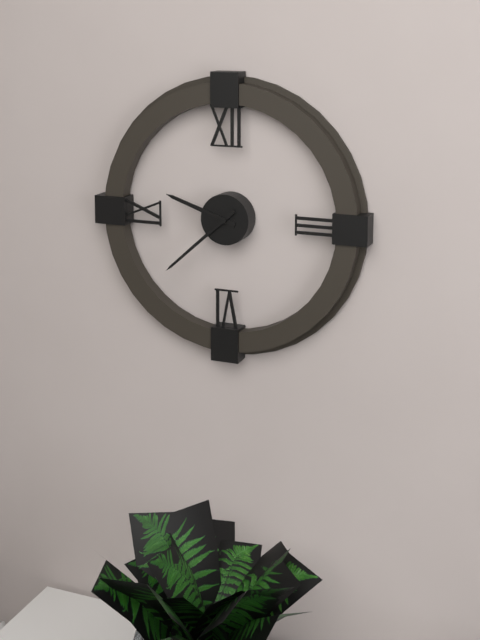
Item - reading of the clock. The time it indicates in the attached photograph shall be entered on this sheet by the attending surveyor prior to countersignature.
9:38
